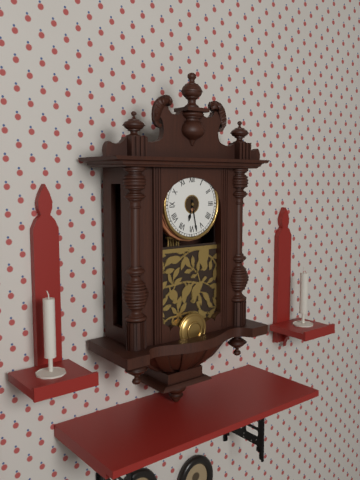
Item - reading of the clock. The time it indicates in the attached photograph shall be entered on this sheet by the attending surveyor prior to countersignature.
6:28
